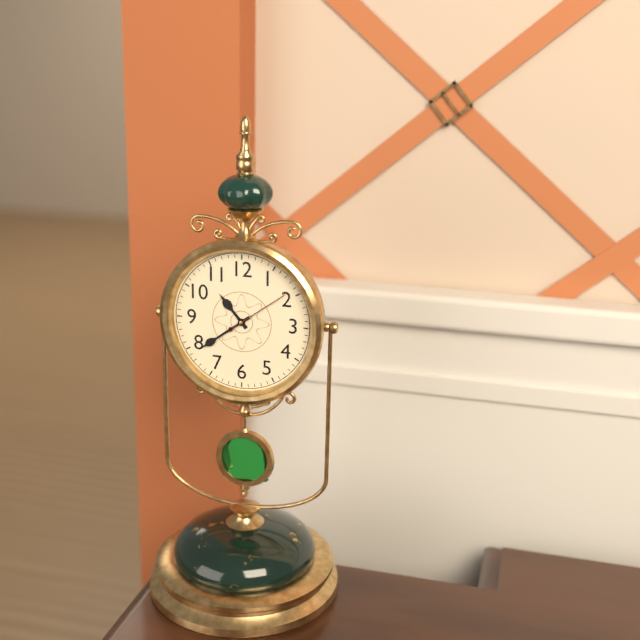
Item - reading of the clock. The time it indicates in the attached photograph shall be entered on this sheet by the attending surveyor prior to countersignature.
10:39:09
